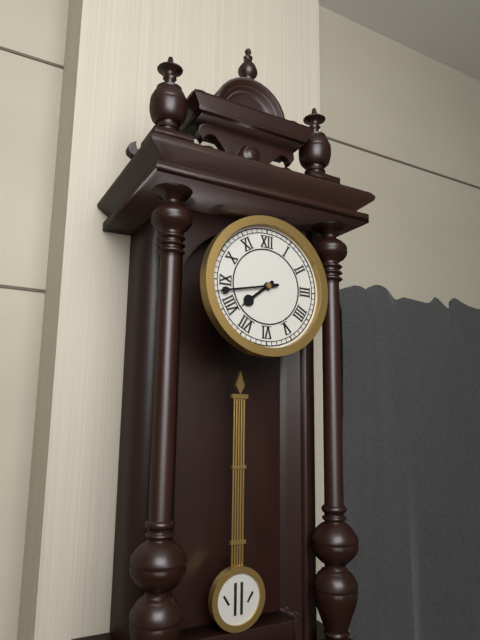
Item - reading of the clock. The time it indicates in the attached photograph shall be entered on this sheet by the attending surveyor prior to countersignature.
7:43
